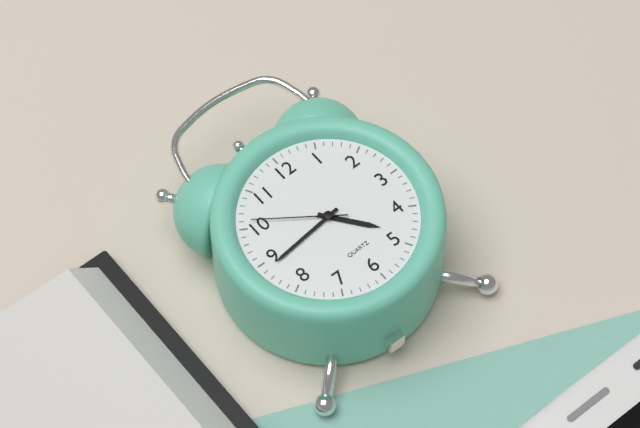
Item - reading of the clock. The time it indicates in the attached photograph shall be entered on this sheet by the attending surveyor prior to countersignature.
4:44:51
